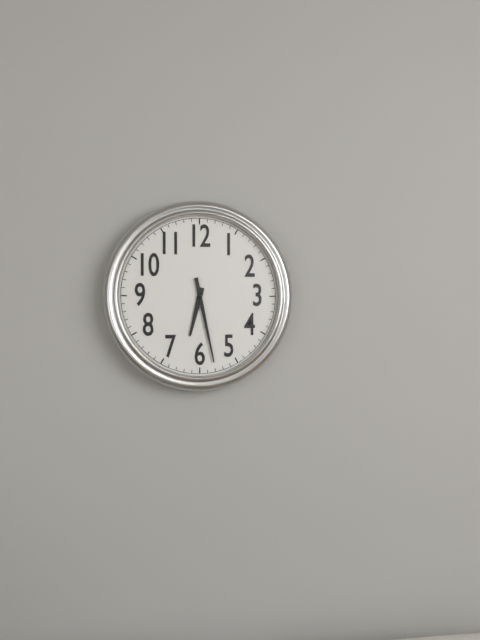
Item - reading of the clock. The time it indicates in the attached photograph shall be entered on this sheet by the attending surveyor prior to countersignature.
6:28
